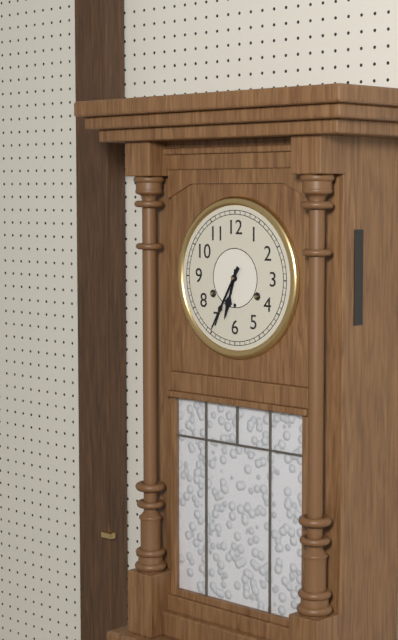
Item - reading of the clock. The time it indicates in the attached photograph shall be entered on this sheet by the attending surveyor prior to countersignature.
6:35
